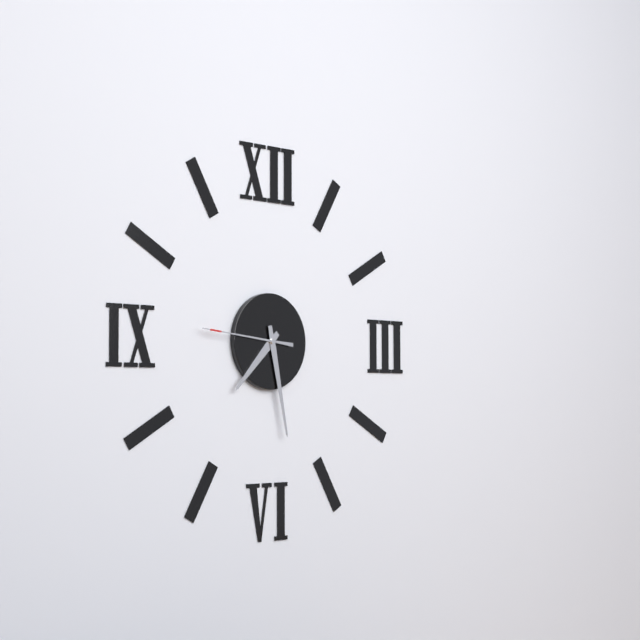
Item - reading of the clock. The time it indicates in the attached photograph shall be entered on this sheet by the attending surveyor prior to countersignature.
7:28:46
